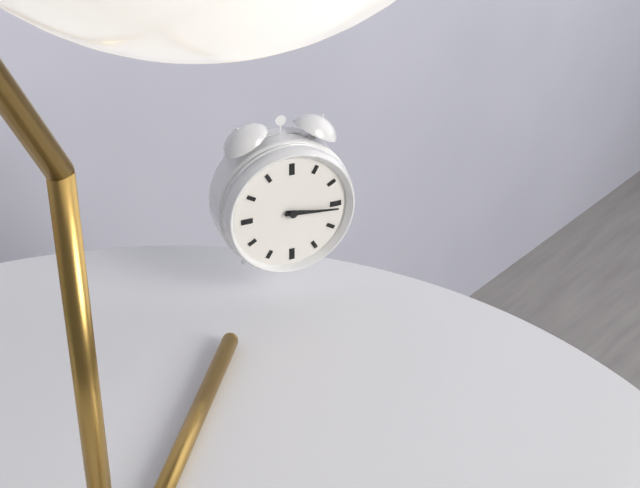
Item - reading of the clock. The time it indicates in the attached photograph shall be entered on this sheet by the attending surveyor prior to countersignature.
3:16
